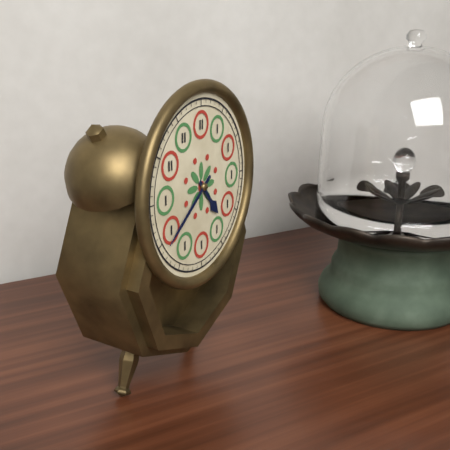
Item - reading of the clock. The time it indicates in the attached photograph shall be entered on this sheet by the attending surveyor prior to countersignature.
4:39
